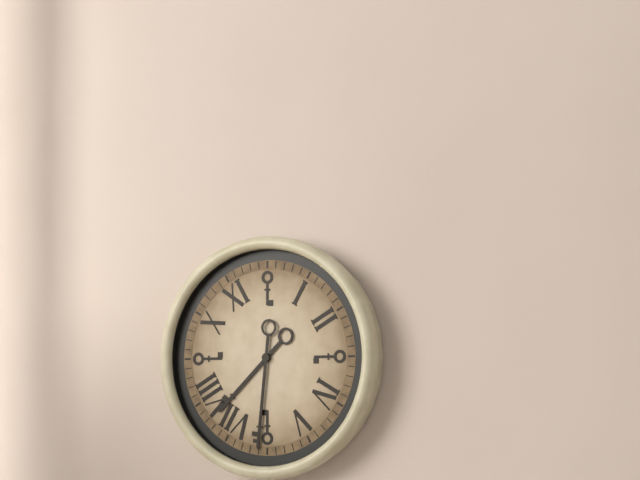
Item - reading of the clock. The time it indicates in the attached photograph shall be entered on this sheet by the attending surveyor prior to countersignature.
7:31
